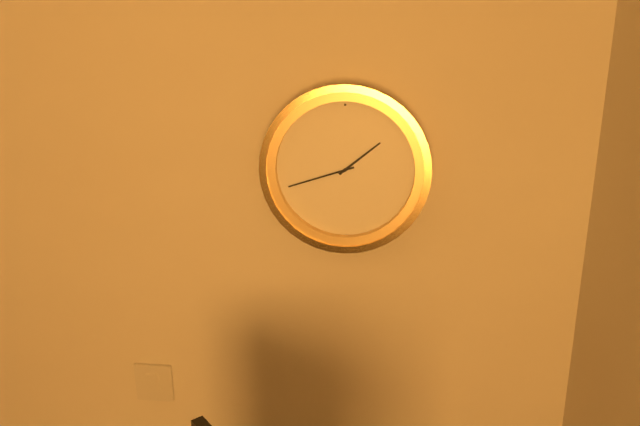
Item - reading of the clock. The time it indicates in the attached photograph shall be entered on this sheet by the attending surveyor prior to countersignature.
1:42
